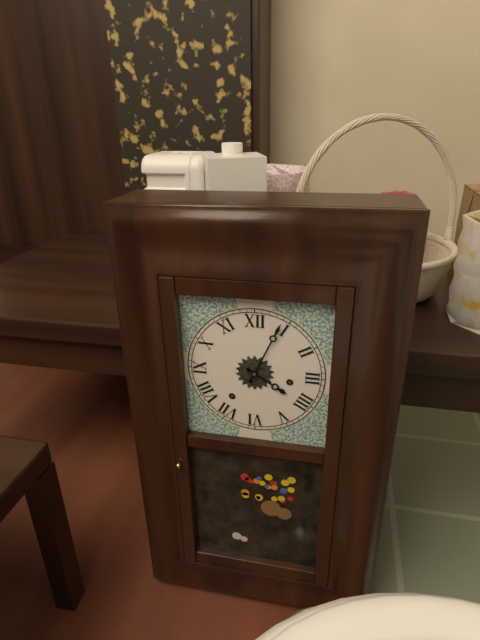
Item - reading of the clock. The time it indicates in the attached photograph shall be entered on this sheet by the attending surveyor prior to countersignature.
4:04
